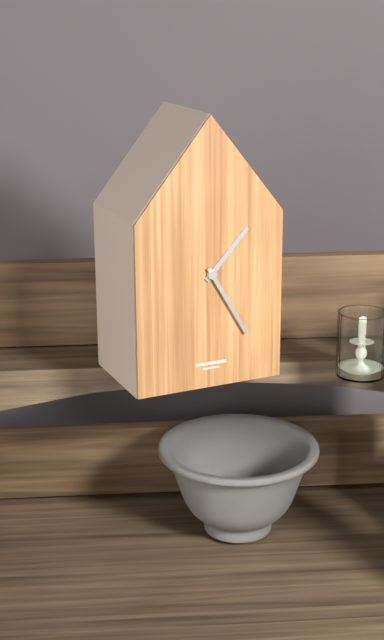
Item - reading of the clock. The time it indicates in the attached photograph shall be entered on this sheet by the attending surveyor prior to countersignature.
1:25
